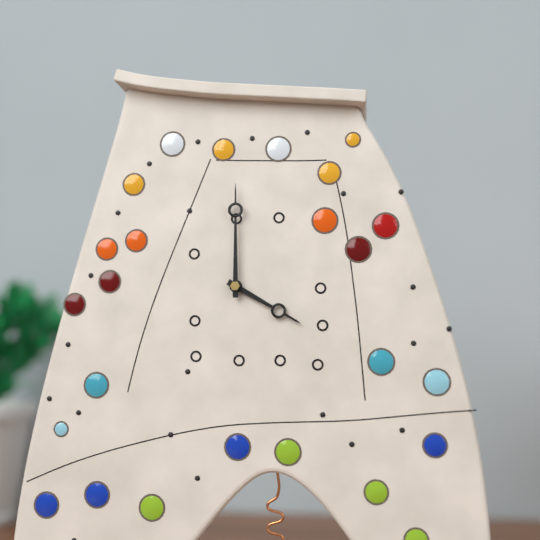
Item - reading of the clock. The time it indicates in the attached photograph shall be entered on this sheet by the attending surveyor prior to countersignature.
4:00
